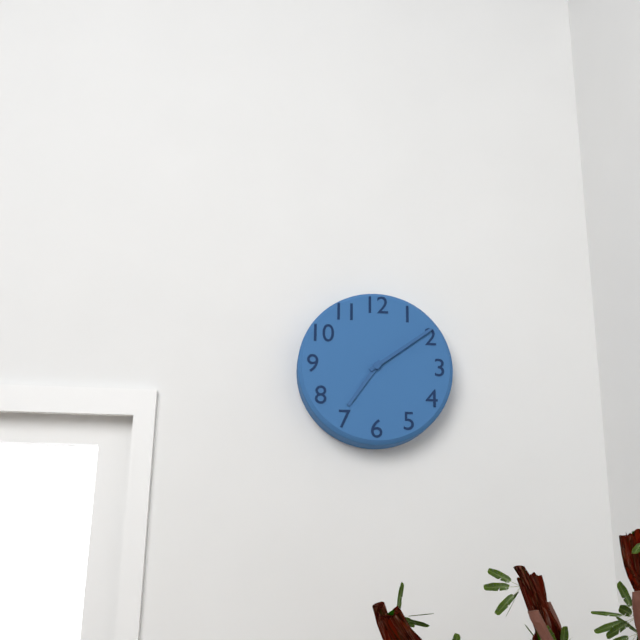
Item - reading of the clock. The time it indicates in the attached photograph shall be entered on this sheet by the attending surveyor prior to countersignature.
7:09
